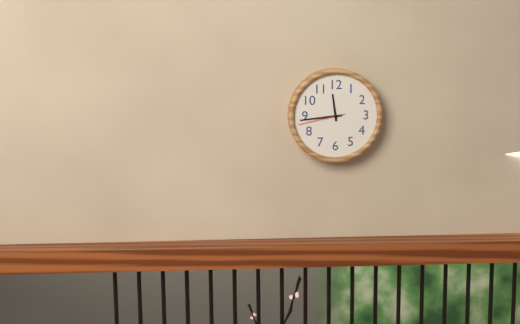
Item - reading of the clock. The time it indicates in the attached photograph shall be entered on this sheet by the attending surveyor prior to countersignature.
11:44
